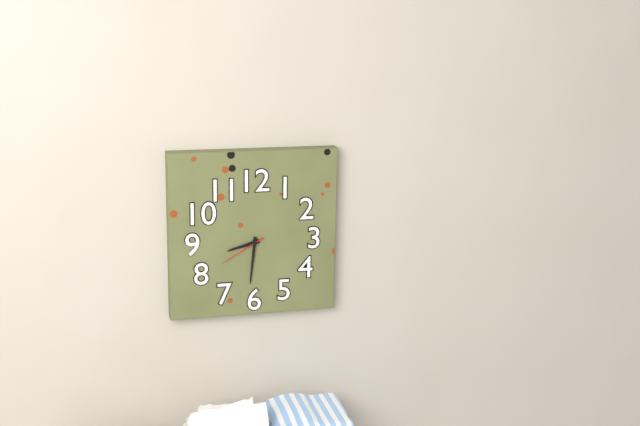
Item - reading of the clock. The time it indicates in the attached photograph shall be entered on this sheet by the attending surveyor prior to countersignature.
8:31
